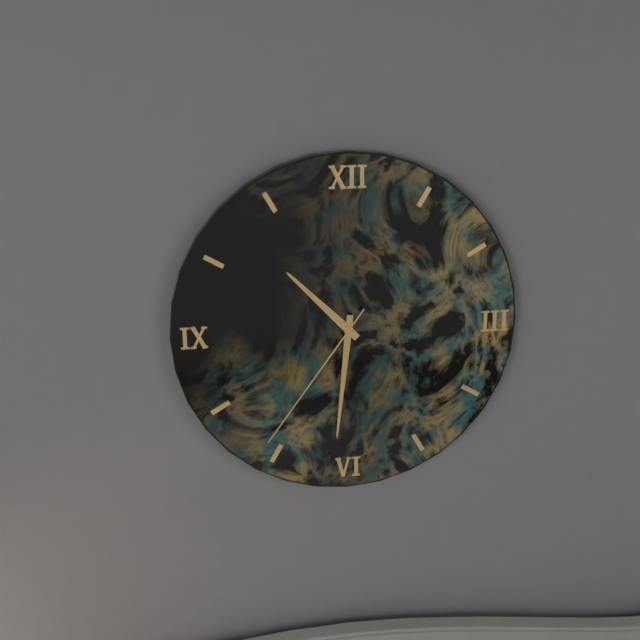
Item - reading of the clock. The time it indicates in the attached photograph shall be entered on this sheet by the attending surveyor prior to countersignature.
10:31:36
